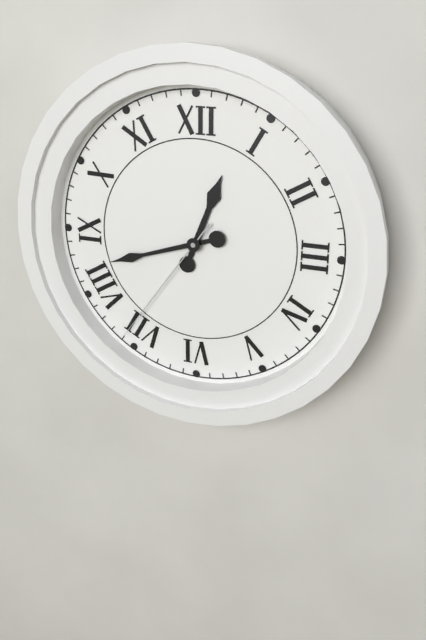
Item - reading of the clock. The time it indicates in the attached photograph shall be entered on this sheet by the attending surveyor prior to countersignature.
12:42:36
